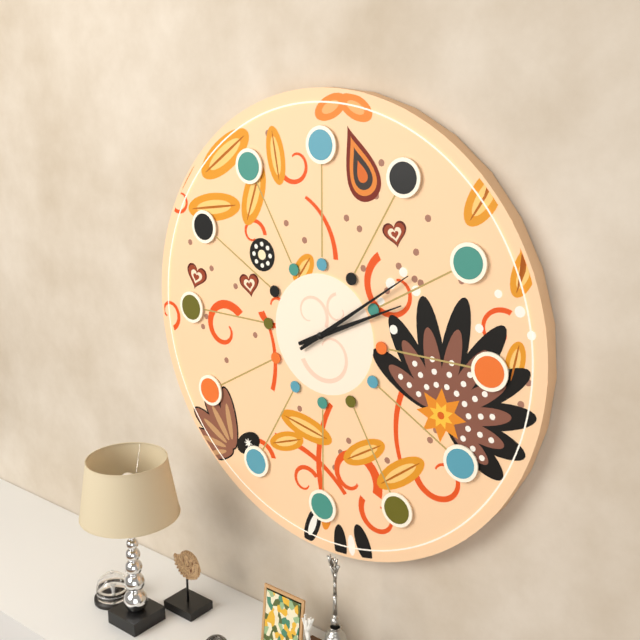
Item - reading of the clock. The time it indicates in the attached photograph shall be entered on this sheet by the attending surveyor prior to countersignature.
2:09
